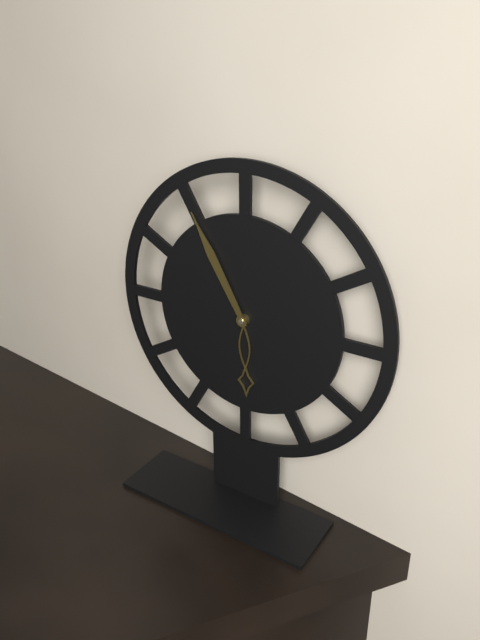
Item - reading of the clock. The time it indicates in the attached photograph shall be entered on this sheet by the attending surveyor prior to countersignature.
5:55
